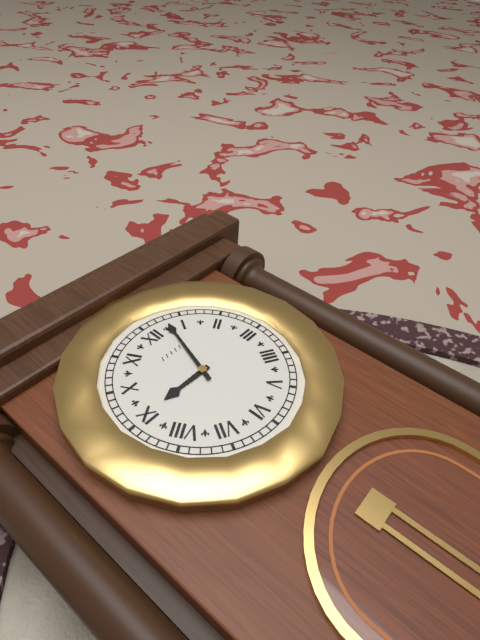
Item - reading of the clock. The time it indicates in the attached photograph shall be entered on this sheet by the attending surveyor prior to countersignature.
9:03
